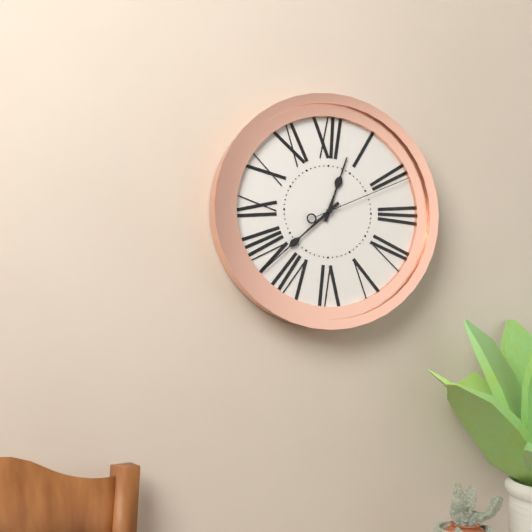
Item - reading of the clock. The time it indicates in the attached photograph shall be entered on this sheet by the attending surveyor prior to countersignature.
12:38:11
